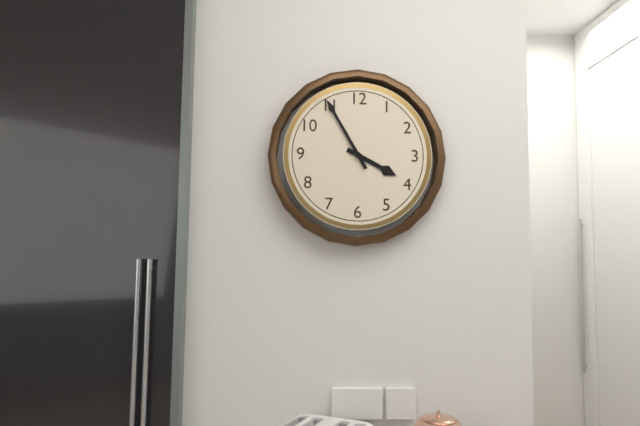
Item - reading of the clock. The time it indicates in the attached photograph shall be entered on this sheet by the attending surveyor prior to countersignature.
3:55
